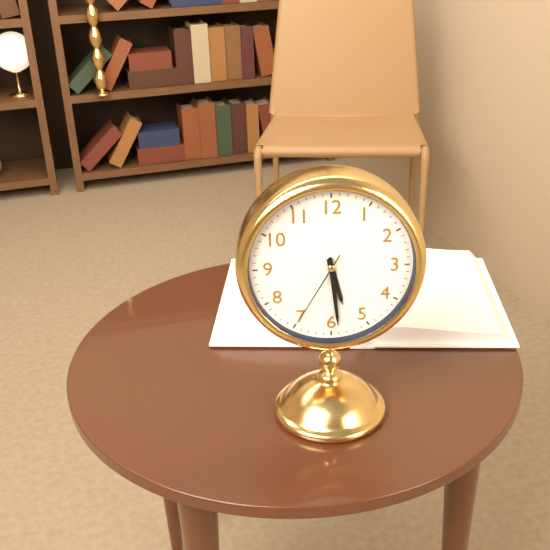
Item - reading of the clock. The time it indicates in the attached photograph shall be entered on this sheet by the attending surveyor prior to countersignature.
5:29:35
